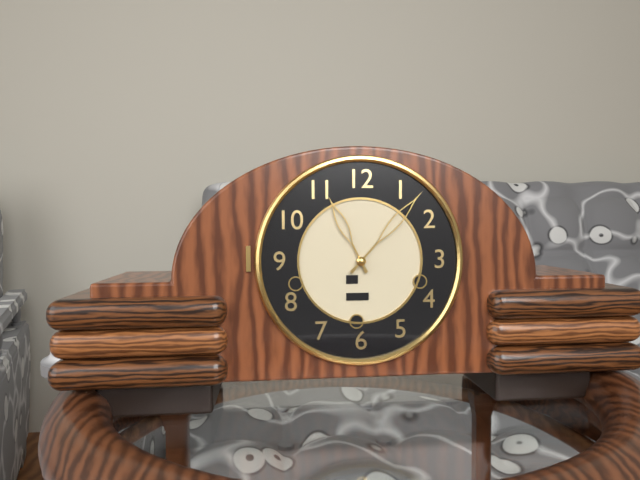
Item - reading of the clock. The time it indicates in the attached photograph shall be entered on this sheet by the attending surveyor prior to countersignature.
11:07
